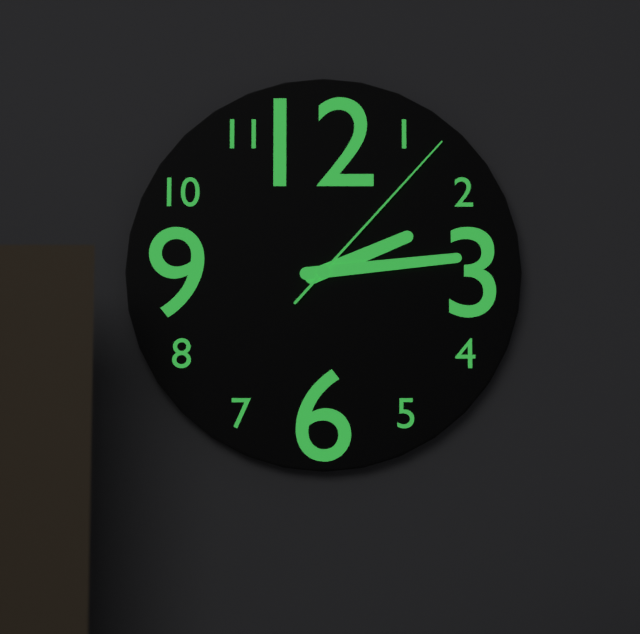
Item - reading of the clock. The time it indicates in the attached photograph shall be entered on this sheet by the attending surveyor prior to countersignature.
2:14:07
